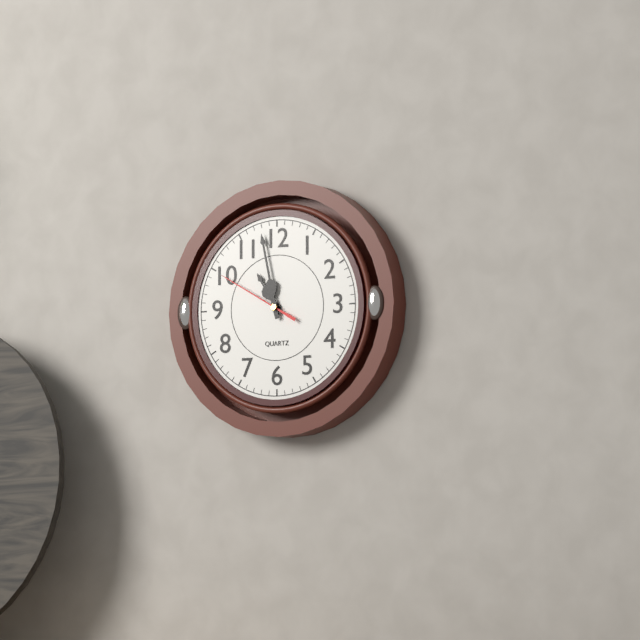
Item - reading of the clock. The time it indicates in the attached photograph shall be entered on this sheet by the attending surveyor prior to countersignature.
10:58:50
